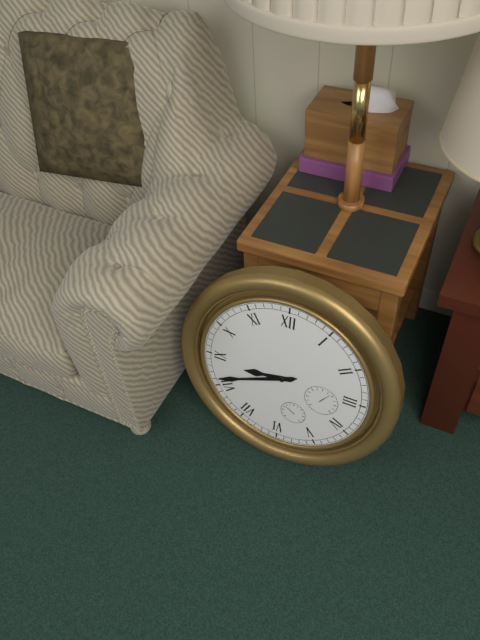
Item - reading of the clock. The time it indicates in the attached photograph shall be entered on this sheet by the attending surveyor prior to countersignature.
8:41
